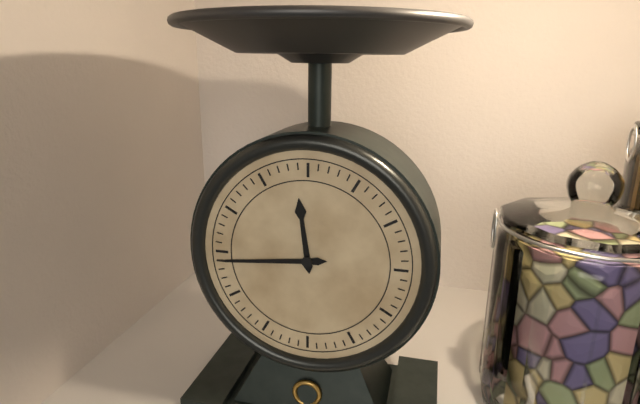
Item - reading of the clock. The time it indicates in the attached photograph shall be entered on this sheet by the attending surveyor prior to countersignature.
11:44
